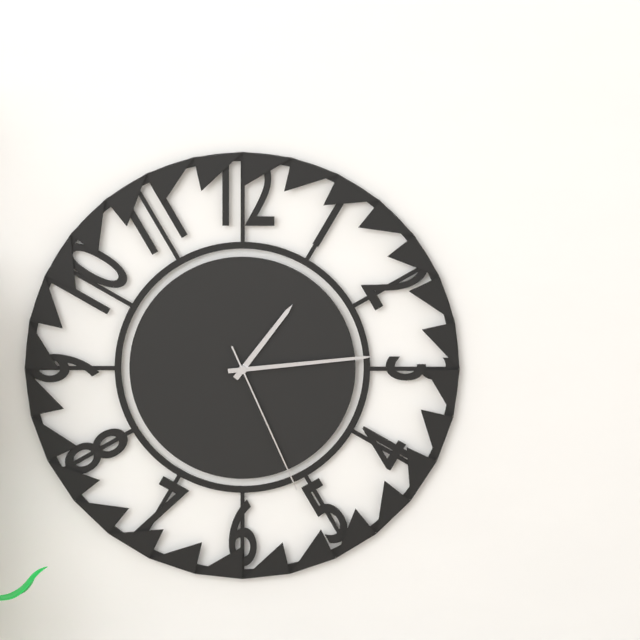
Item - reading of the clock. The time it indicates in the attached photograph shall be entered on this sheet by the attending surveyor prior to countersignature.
1:14:26
